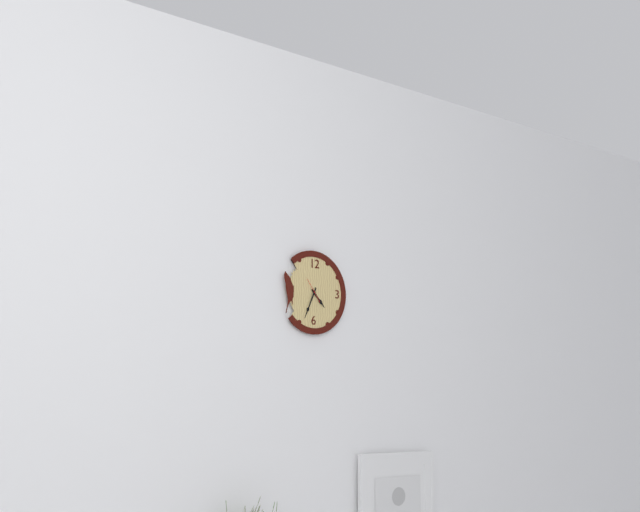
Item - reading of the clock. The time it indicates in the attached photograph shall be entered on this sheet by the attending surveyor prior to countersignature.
4:34
